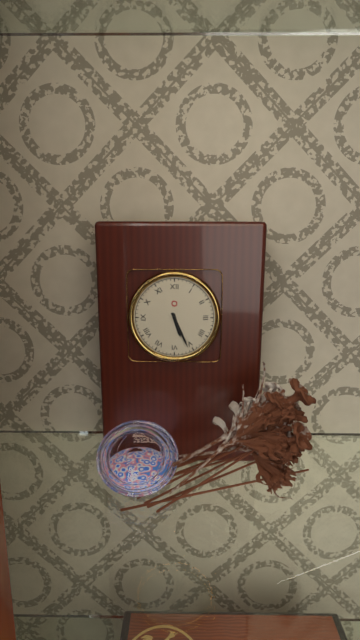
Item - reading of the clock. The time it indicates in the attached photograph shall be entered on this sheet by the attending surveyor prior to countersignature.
5:26
